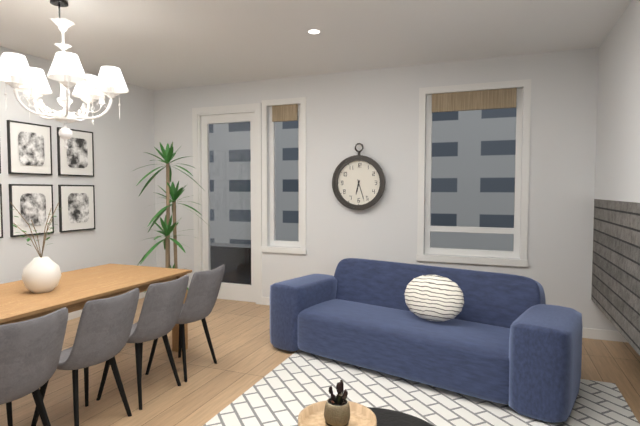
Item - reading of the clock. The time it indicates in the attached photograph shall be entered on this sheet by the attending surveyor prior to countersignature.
6:27
